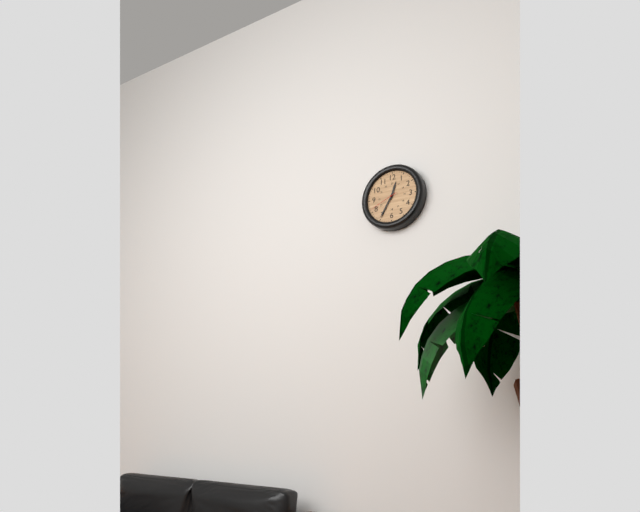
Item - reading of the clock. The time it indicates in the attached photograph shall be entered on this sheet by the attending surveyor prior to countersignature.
12:35
